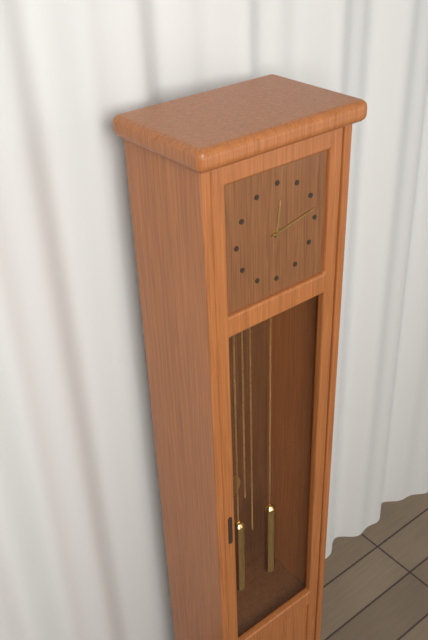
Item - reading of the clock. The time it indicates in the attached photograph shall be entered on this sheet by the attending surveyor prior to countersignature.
12:13
